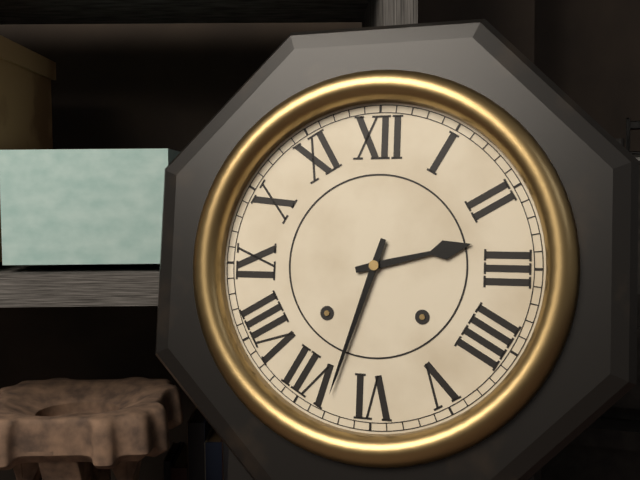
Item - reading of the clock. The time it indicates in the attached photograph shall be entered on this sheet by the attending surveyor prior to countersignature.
2:33
